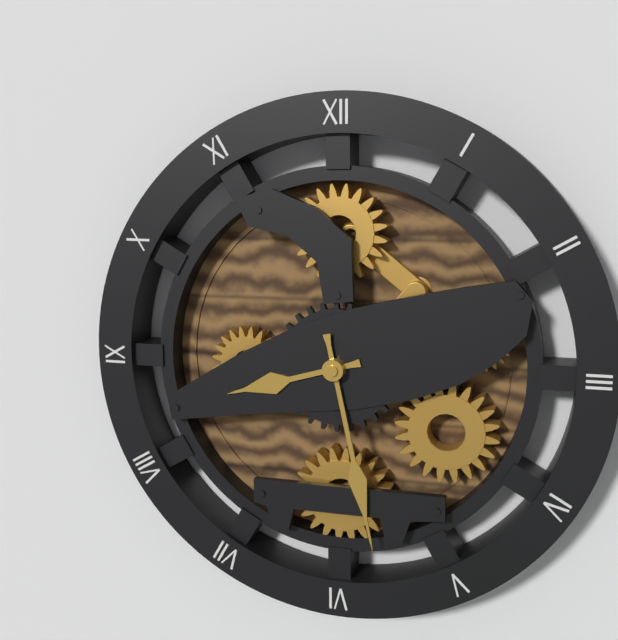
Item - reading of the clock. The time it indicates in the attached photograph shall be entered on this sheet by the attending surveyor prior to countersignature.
8:28
